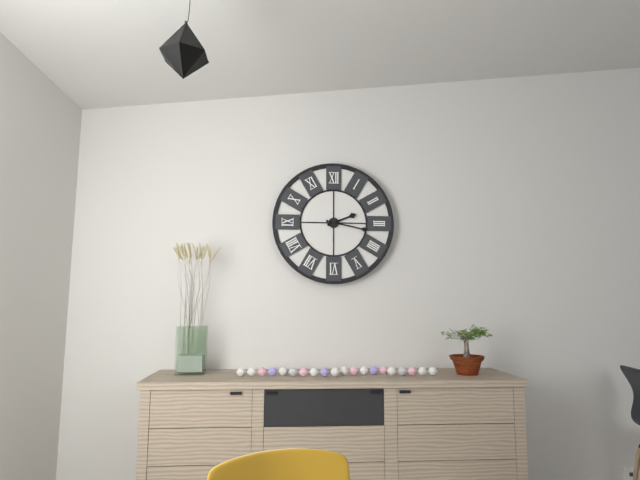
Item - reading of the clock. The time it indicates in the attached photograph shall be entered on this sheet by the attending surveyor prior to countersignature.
2:17
